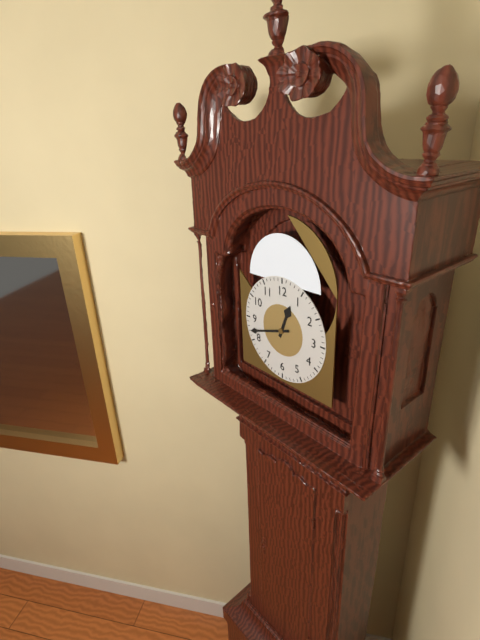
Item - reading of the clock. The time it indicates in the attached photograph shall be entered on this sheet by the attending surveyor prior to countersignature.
12:42
